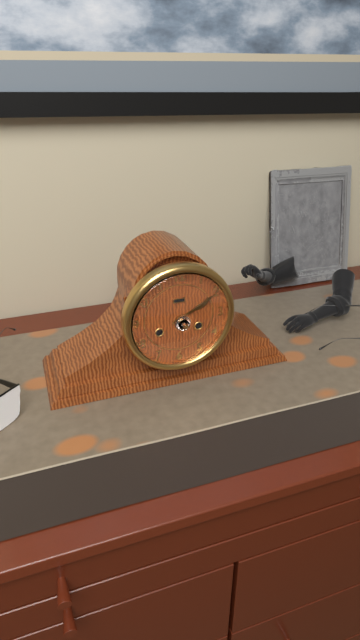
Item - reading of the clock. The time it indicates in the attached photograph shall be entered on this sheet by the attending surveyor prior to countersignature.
2:10
